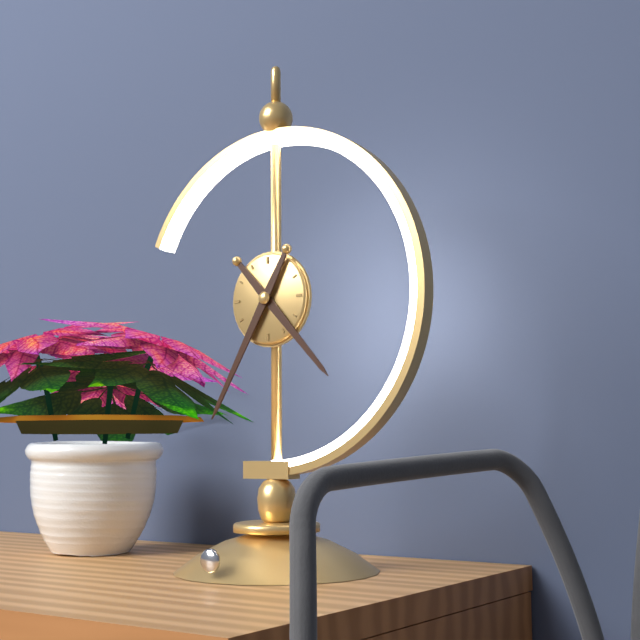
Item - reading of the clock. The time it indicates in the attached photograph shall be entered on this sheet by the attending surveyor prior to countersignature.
4:35
